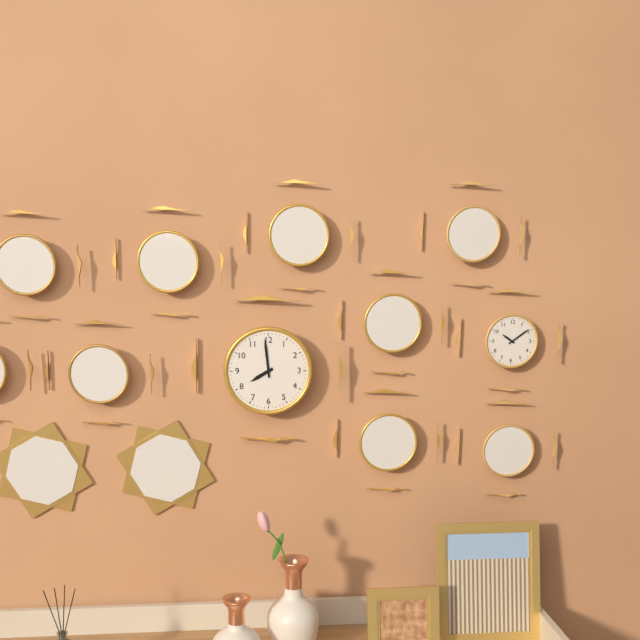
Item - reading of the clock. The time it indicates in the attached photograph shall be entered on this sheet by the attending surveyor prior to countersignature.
7:59
